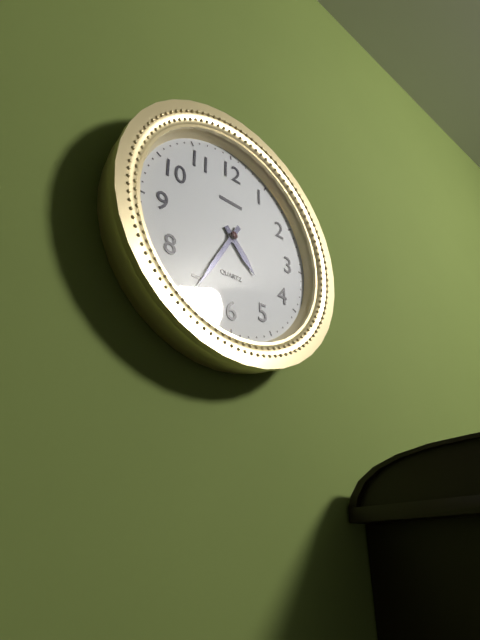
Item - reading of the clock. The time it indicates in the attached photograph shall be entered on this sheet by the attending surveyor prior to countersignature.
4:35
